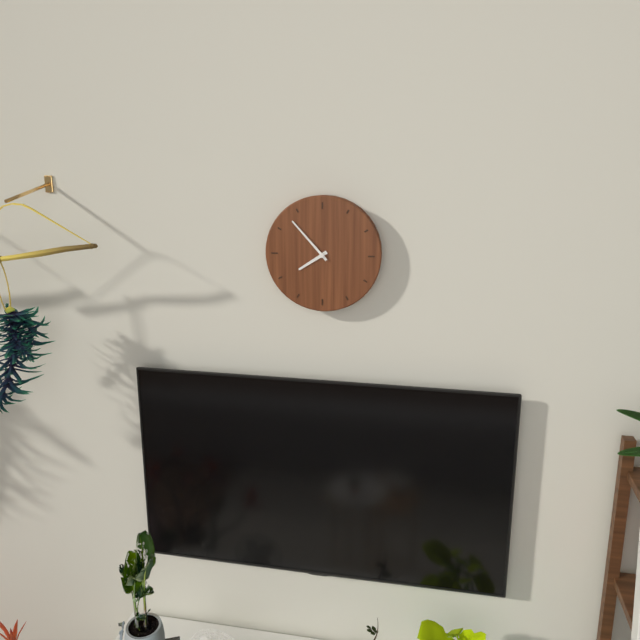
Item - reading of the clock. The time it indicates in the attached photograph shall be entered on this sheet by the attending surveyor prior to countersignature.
7:53
